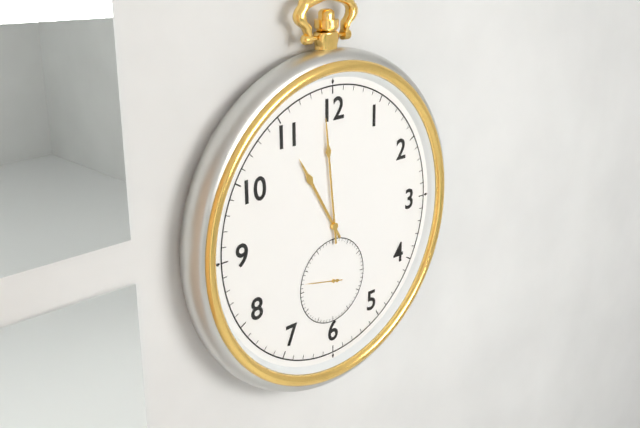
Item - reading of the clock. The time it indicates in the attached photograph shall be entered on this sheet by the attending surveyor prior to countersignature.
10:59
